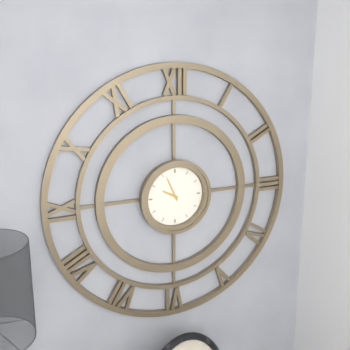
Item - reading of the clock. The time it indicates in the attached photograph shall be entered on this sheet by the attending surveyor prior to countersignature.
9:56
